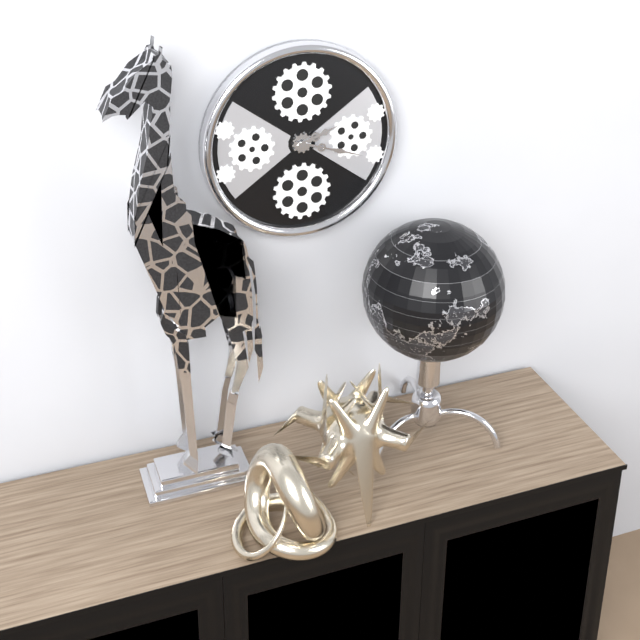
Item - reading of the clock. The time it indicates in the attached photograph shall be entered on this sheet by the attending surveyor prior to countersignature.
2:18
